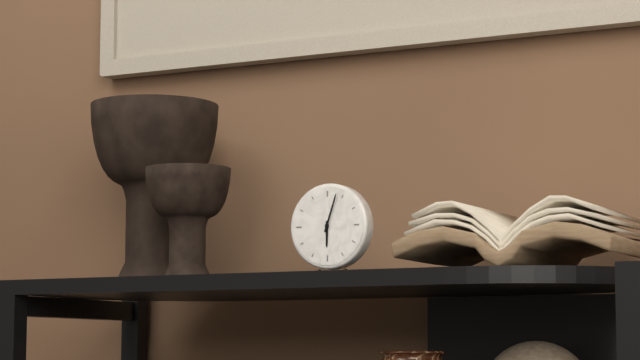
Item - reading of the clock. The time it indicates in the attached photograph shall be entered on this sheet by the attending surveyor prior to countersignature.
6:03
